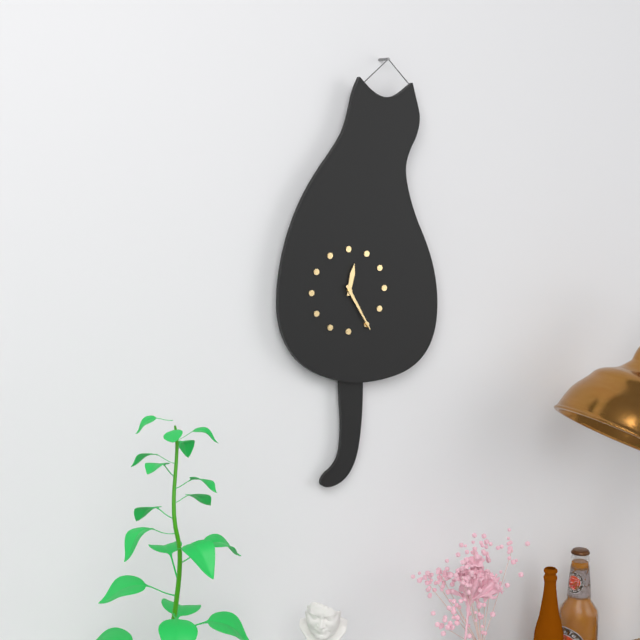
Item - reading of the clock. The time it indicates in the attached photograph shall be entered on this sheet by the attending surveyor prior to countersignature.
12:25
